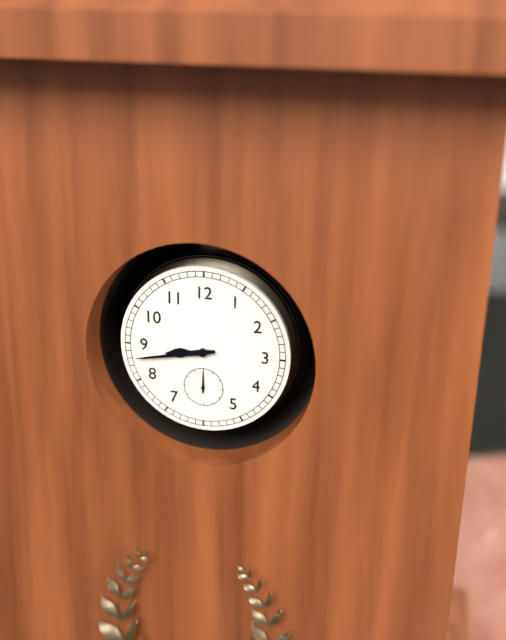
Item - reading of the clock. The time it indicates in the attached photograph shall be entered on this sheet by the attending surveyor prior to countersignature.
8:43
